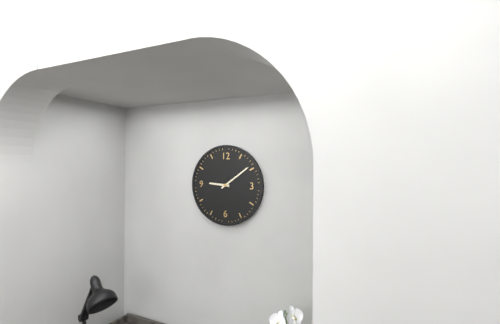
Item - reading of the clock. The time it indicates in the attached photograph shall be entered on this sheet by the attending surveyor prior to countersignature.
9:09
